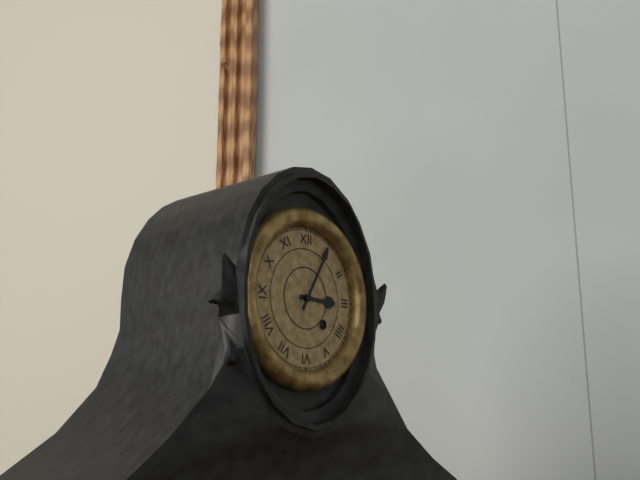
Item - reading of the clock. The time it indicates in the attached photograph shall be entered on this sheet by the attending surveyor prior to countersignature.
3:05
